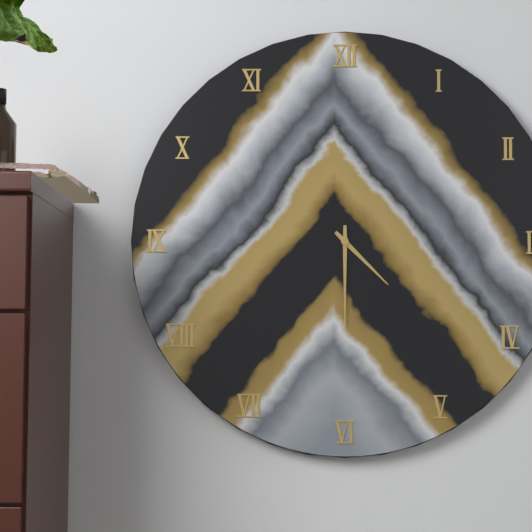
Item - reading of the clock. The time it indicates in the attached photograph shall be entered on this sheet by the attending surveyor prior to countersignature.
4:30
